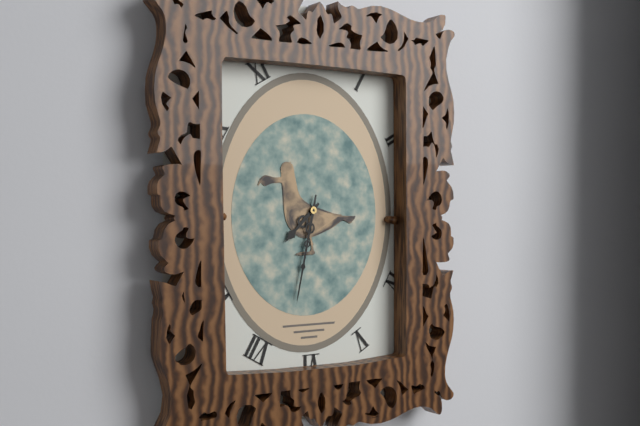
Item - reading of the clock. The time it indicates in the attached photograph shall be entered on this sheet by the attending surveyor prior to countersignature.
7:32
